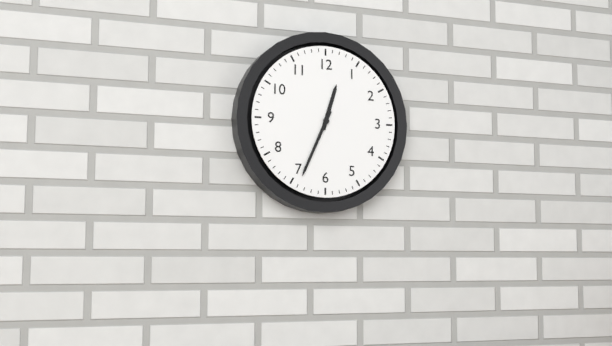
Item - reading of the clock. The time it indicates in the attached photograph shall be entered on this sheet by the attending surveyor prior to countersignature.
12:34
